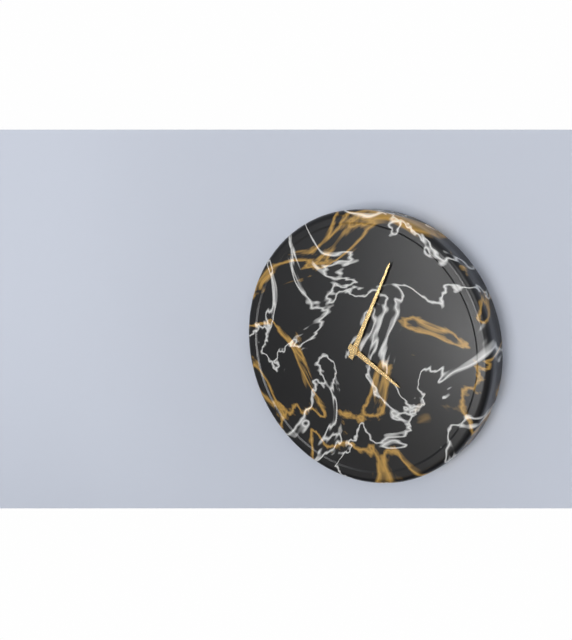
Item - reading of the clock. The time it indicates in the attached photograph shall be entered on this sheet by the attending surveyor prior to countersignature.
4:04
